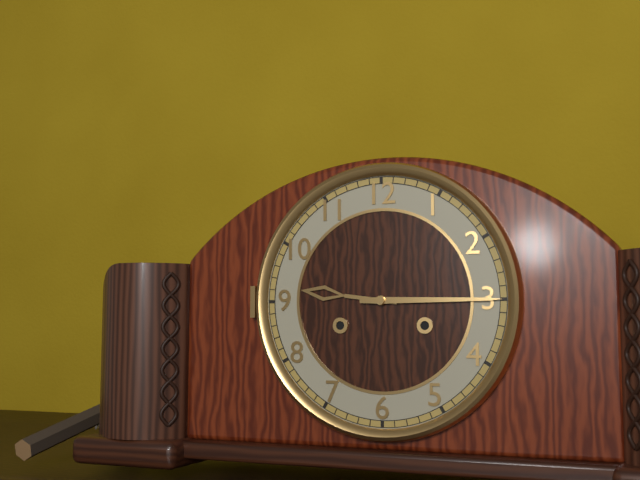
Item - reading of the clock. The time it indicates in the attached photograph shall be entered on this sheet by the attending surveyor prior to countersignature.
9:15
